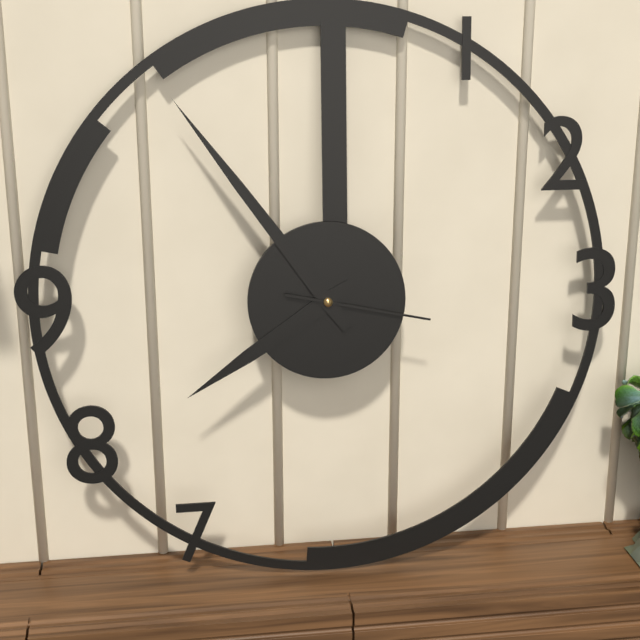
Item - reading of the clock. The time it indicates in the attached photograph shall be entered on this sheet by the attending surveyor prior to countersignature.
7:54:17
